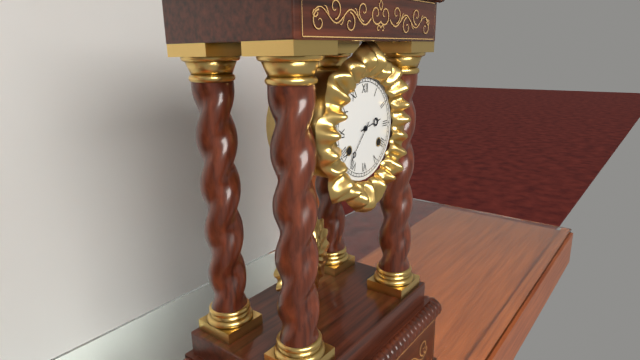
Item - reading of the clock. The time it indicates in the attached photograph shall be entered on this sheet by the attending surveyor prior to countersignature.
2:37
